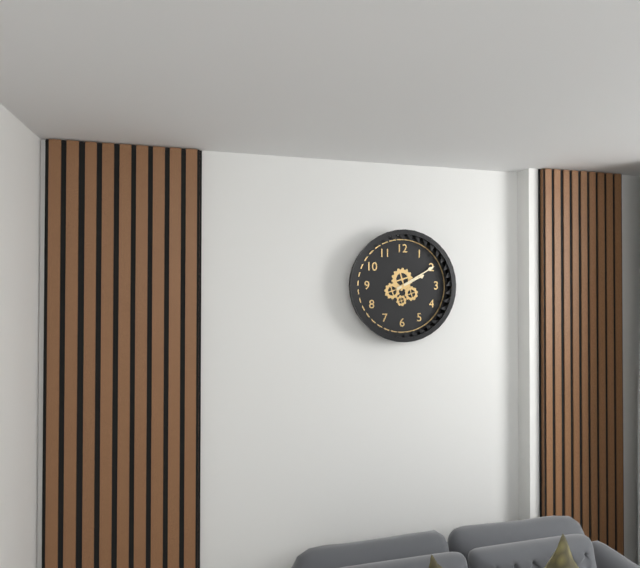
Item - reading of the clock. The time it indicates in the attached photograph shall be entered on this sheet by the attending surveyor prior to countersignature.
2:10
